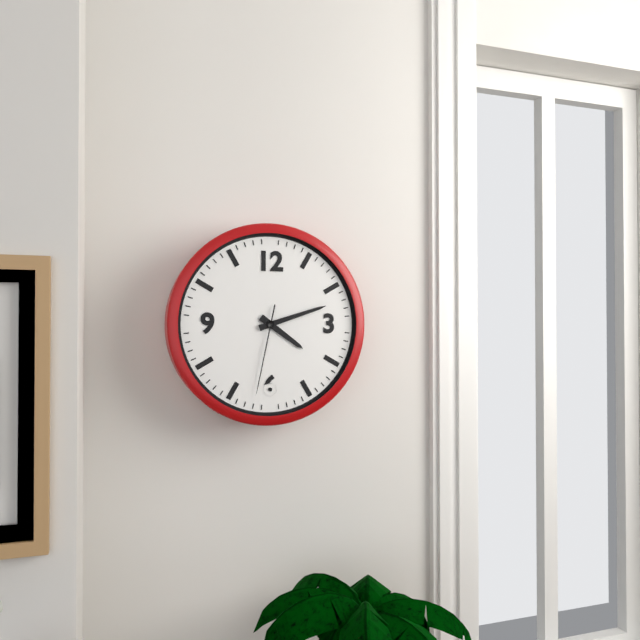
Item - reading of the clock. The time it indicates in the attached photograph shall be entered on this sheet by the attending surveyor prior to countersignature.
4:12:32
